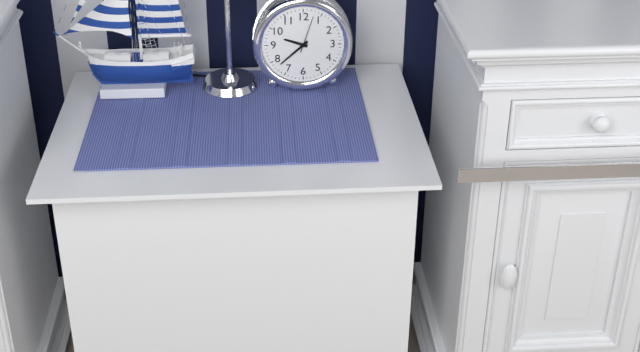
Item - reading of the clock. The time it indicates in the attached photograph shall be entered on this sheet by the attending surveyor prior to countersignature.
9:38
